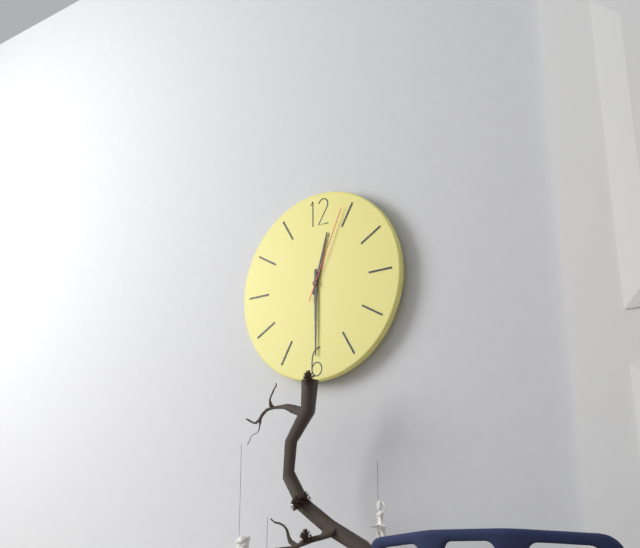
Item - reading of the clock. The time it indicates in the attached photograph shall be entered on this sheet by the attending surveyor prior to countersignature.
12:30:04
